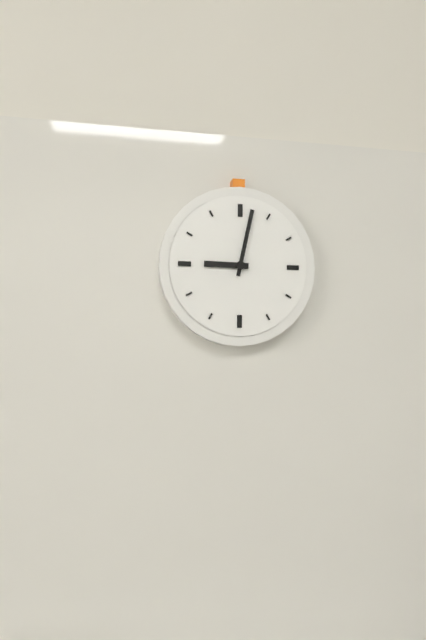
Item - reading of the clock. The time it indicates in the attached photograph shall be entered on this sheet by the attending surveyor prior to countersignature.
9:02
